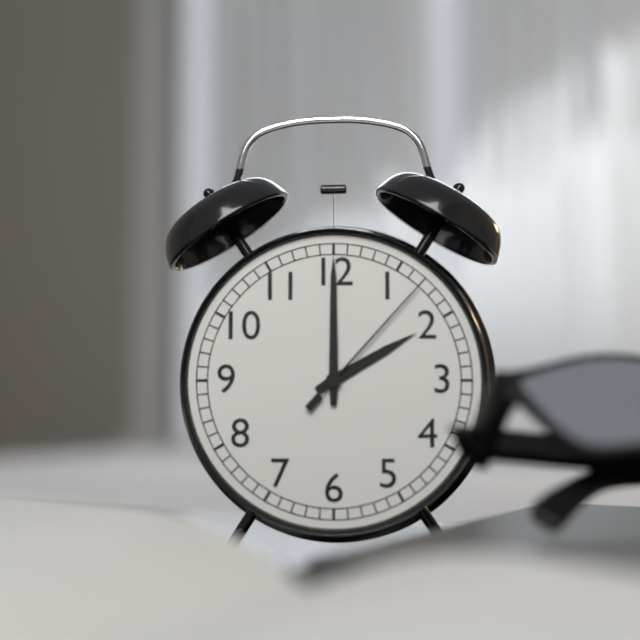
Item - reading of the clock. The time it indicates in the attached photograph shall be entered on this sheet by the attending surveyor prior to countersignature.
2:00:07
